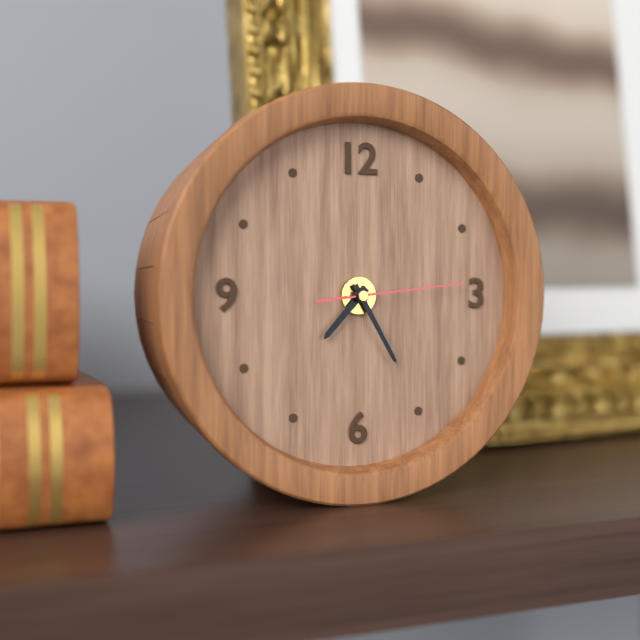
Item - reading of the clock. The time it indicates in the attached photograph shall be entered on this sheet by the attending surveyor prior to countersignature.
7:25:14
